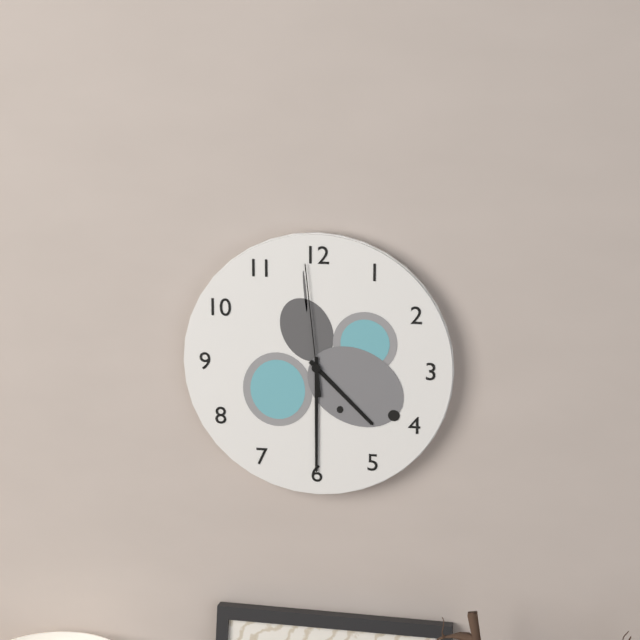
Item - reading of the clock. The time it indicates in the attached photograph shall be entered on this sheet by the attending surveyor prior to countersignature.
4:30:59
